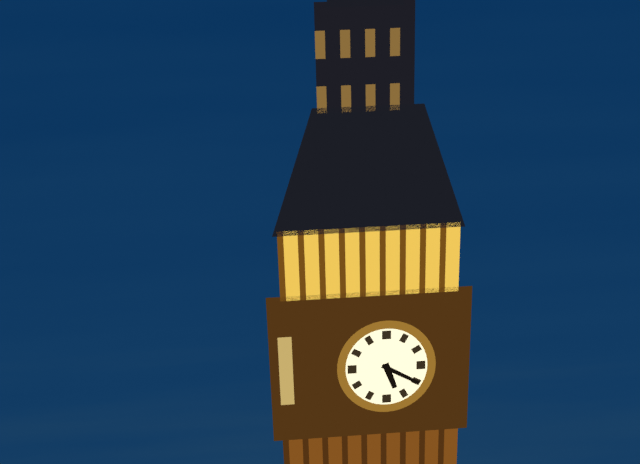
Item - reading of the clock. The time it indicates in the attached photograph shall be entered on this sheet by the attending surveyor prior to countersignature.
5:20
